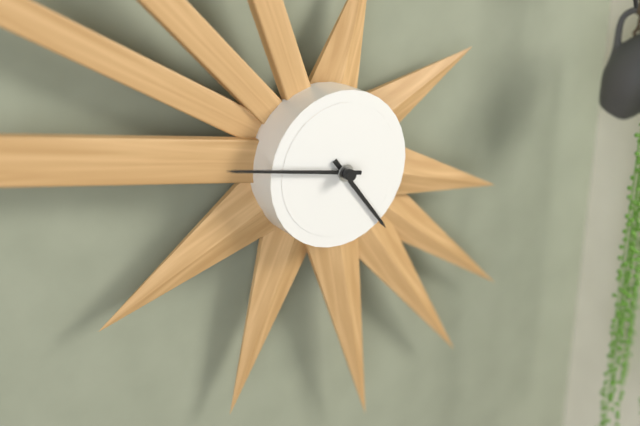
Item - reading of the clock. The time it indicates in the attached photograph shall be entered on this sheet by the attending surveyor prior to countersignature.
4:47
